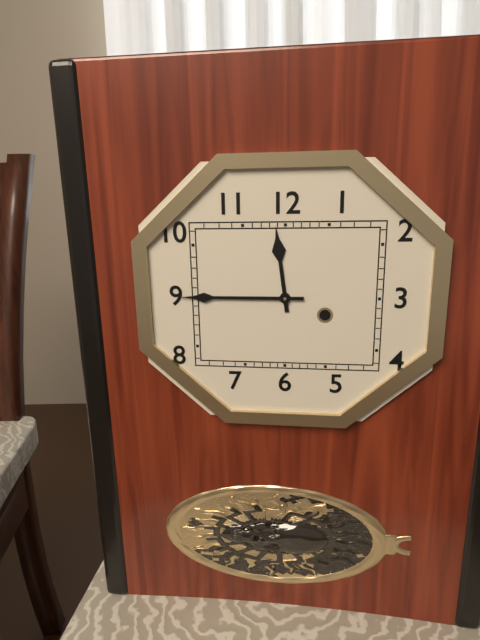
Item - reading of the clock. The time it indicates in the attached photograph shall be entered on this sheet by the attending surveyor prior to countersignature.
11:45
